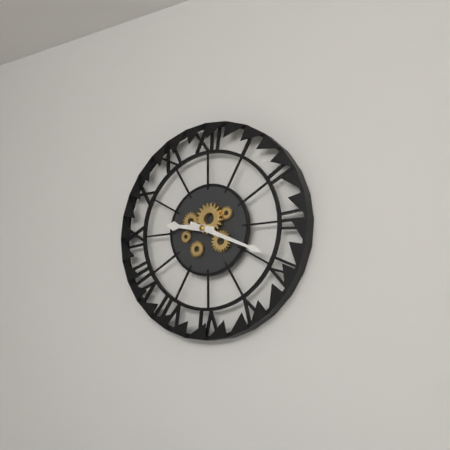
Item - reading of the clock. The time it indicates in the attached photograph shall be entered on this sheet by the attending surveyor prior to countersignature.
9:19
